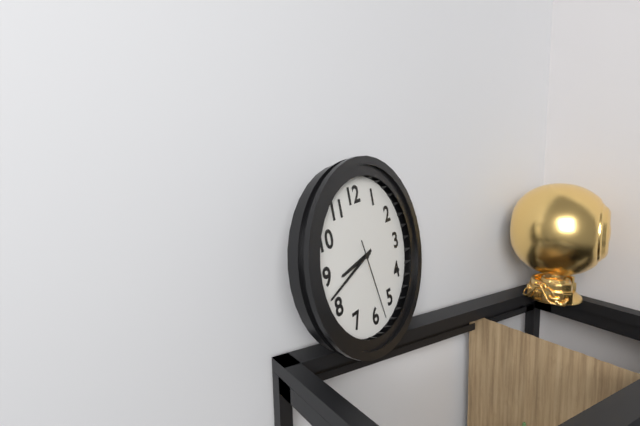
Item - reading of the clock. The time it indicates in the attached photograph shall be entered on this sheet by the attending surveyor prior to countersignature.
8:42:28
